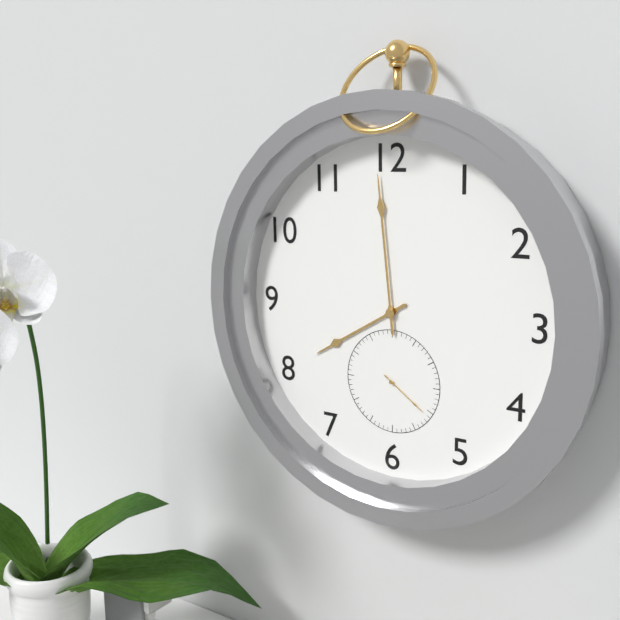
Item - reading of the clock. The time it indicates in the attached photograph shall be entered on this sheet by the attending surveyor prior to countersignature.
7:59:21
